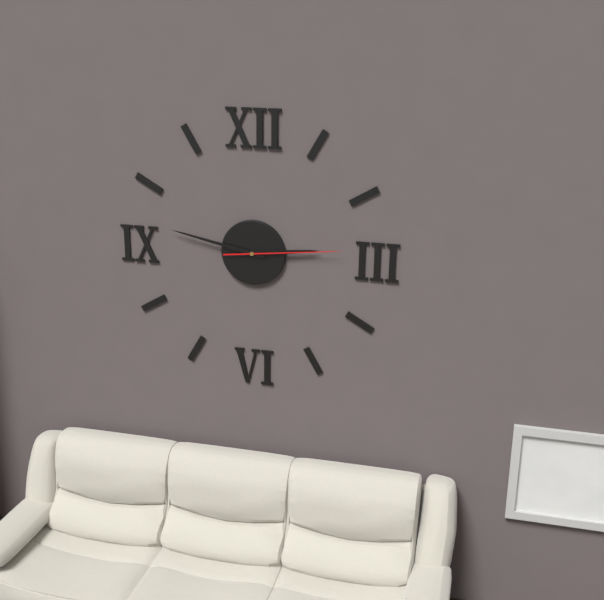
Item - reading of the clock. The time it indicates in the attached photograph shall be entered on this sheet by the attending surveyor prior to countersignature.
2:47:14
